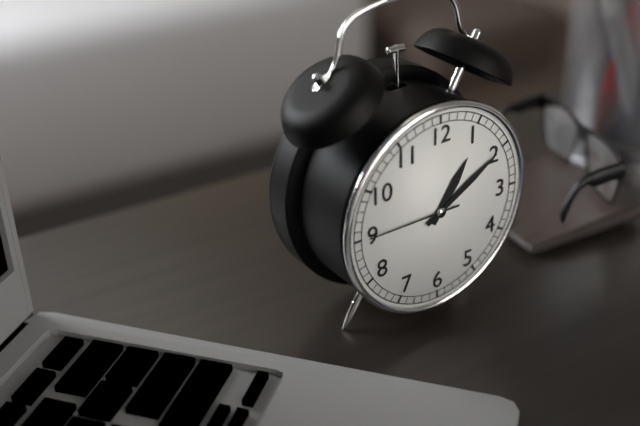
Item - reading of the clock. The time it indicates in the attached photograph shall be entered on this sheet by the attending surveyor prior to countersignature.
1:10:45
